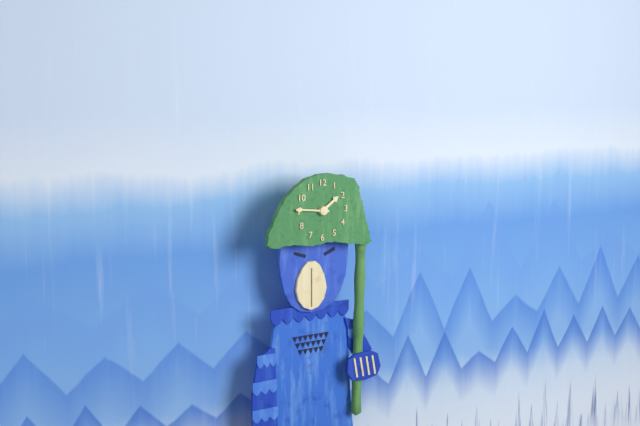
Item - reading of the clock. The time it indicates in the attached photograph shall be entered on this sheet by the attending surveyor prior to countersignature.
1:46
